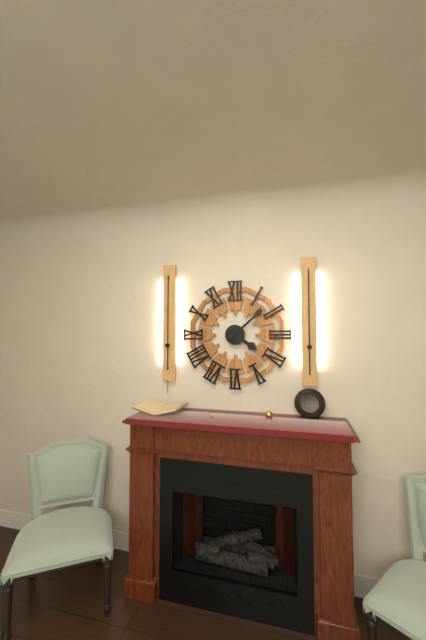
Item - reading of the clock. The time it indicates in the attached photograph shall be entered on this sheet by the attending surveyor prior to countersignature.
4:08
